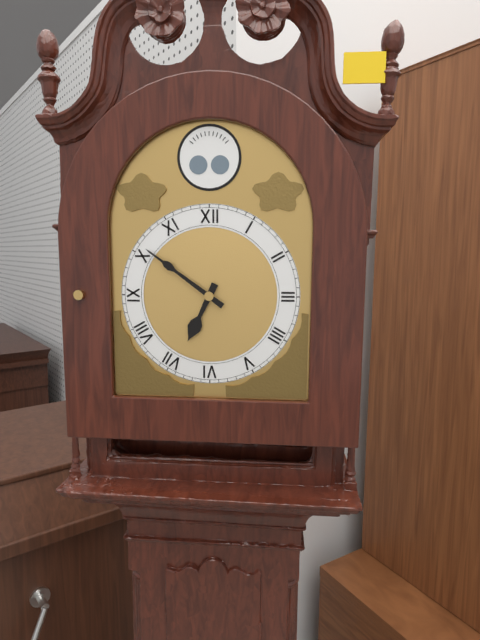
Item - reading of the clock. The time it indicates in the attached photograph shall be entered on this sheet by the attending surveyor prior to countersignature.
6:51
